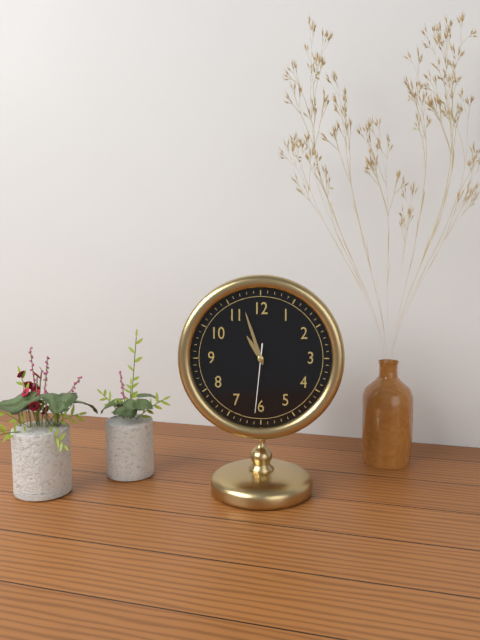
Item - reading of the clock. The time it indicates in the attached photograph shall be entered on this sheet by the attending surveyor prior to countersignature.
10:57:31
